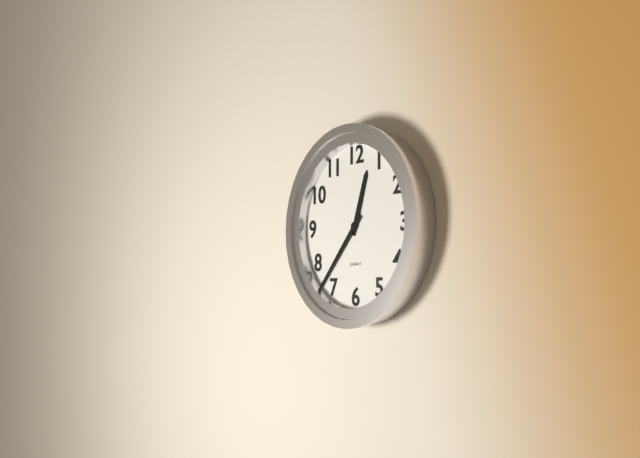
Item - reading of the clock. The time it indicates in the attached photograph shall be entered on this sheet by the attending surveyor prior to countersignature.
12:37
